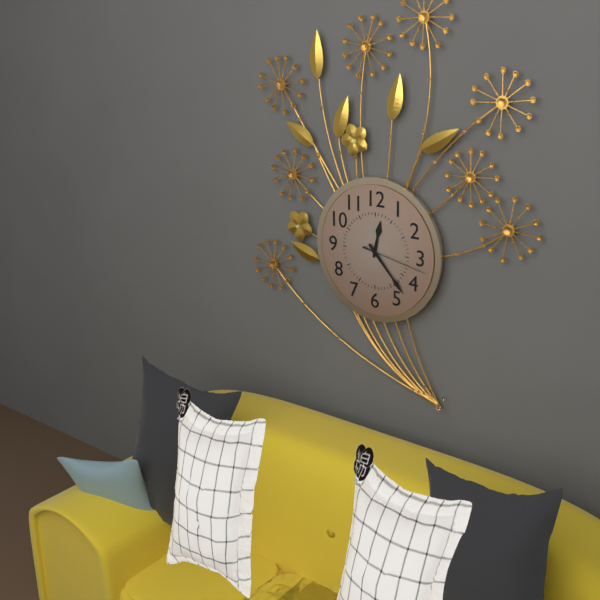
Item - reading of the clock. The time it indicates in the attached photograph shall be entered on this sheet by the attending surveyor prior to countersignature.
12:23:17
